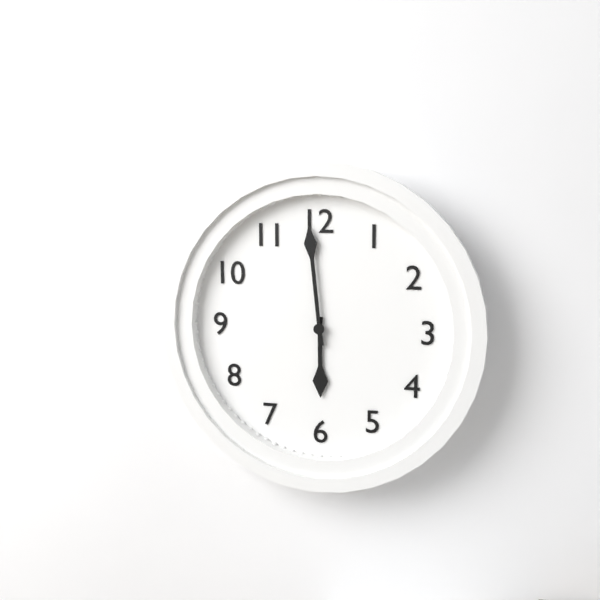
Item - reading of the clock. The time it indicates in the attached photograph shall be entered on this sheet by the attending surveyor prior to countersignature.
5:59
